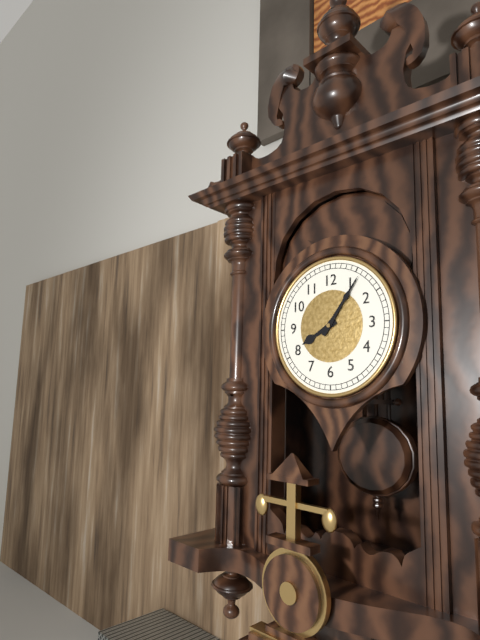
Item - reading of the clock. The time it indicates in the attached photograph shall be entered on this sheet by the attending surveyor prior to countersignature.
8:06
